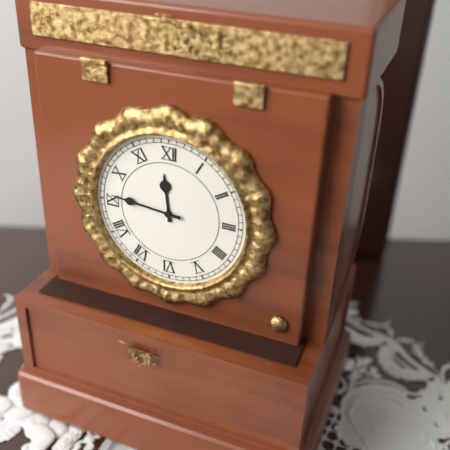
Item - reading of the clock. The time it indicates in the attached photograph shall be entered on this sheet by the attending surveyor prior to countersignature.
11:46
